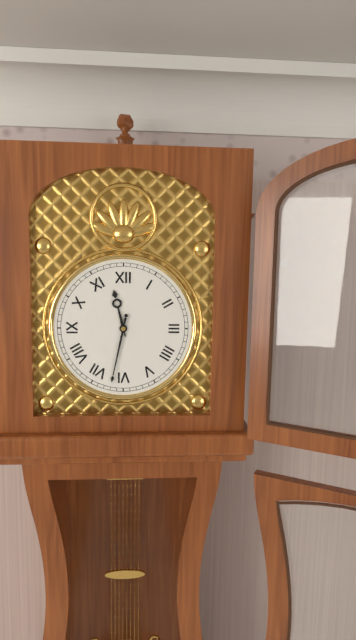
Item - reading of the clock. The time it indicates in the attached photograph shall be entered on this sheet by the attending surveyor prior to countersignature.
11:32
